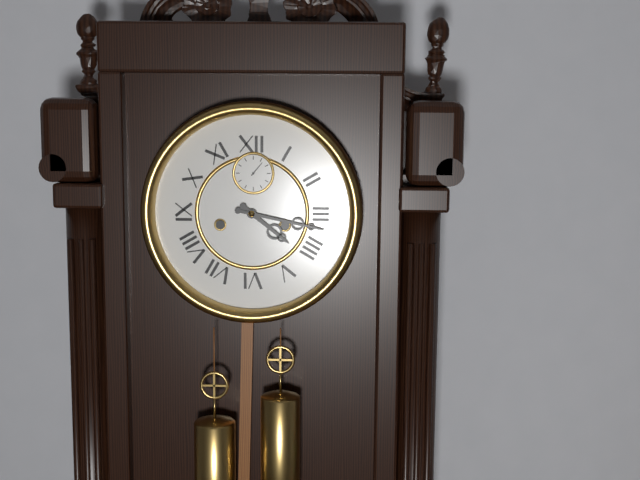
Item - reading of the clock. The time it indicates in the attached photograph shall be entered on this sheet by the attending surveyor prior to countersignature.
4:17
